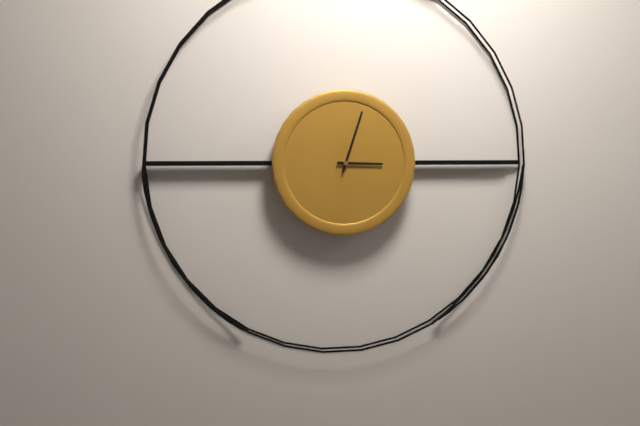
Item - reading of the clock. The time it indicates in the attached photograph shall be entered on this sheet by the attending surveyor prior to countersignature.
3:03
